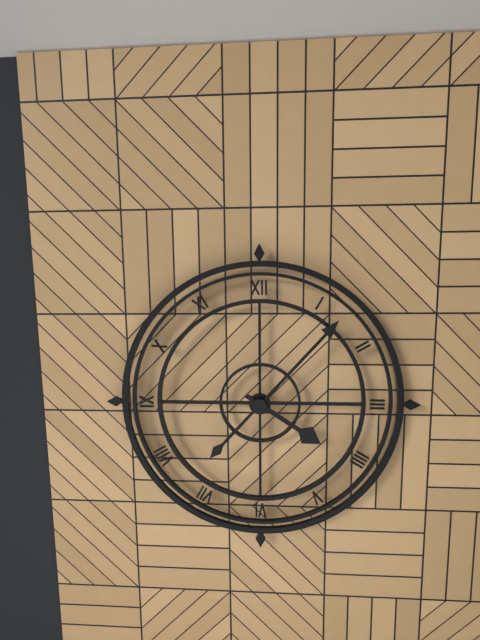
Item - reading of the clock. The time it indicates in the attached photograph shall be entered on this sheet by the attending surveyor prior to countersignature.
4:07
